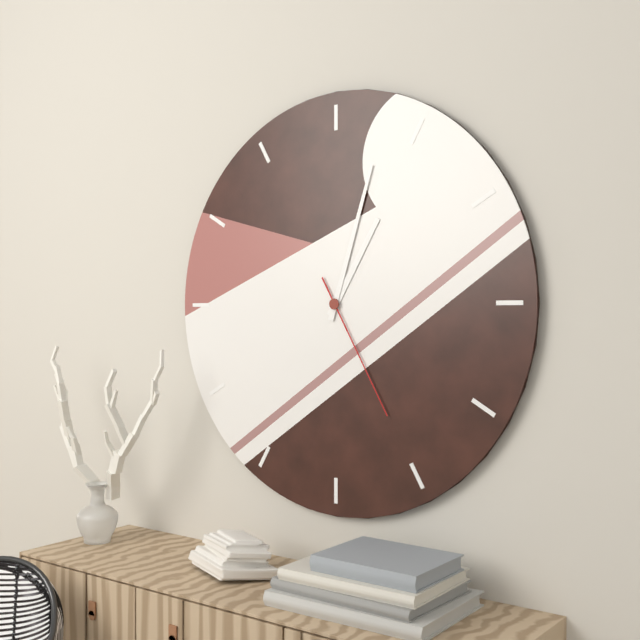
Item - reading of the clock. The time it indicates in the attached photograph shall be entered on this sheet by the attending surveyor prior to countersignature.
1:03:25
